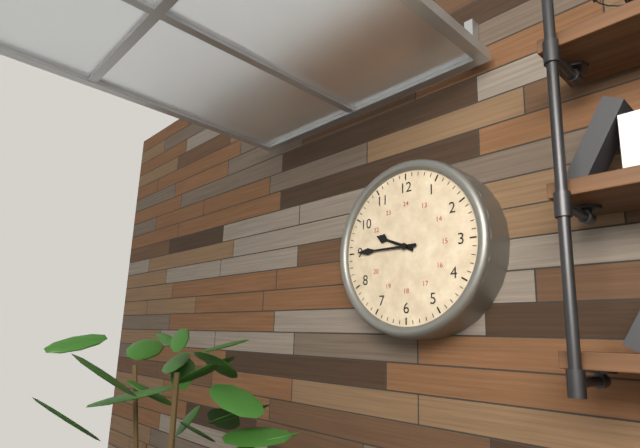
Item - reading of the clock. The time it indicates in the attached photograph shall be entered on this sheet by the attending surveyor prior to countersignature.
9:45
